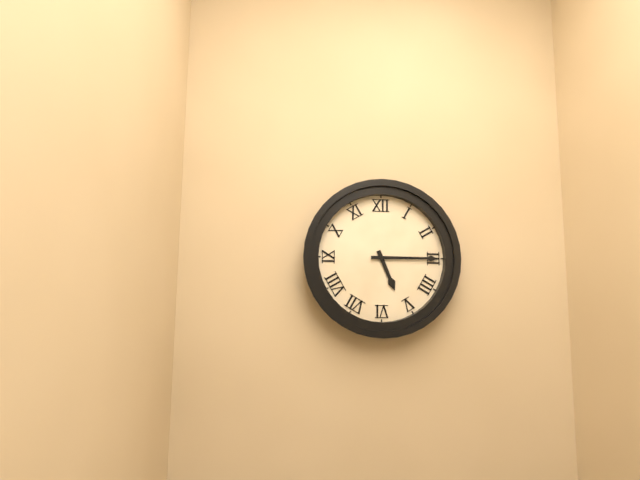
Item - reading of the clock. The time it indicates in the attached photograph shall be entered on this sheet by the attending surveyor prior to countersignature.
5:15
